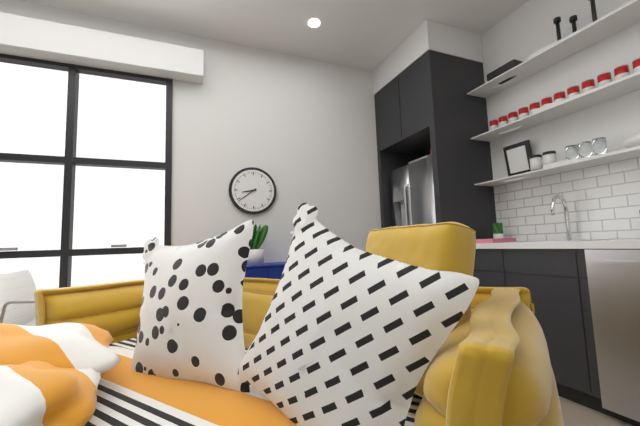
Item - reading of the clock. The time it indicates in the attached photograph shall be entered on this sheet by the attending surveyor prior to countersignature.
8:39
